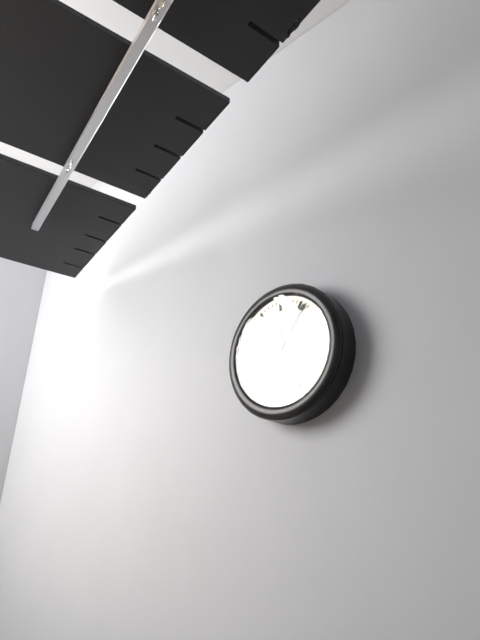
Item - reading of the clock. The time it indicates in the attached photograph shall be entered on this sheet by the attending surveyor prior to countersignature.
12:06
